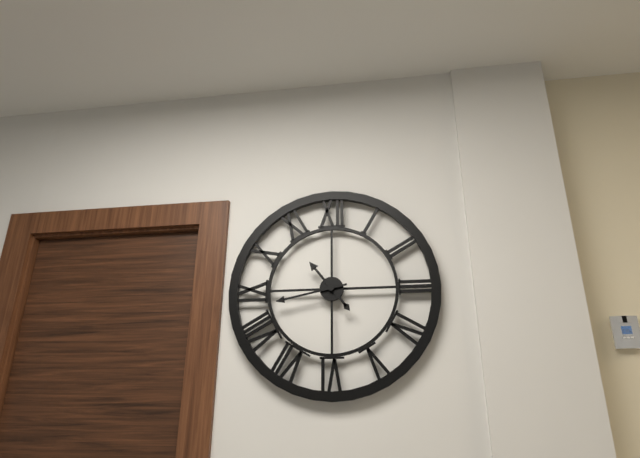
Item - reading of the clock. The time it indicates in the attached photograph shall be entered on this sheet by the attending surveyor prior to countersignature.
10:43
